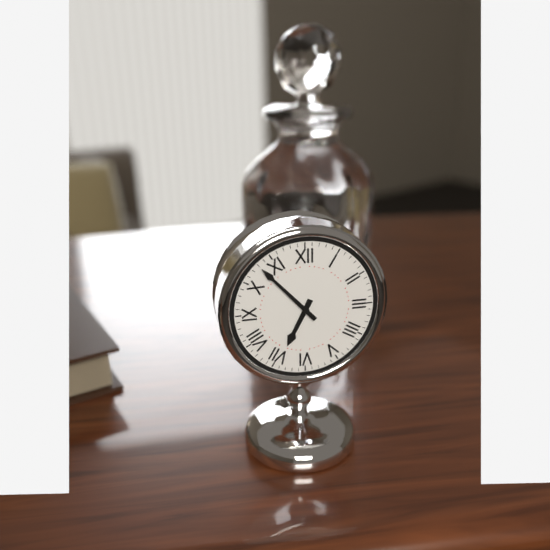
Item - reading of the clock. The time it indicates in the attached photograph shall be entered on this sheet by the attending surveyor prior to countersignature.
6:53
